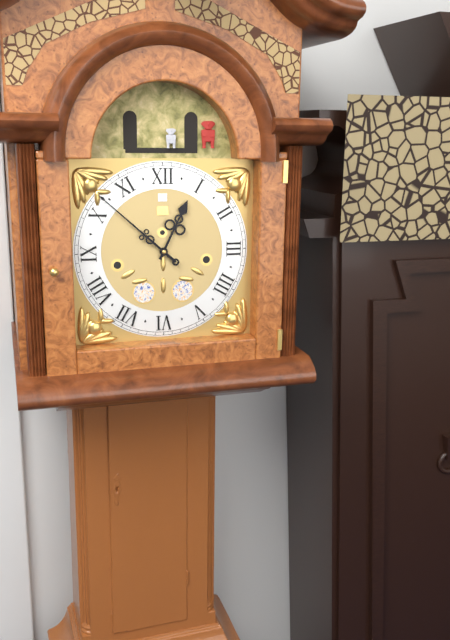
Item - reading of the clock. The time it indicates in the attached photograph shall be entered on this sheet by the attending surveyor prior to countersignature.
12:52
